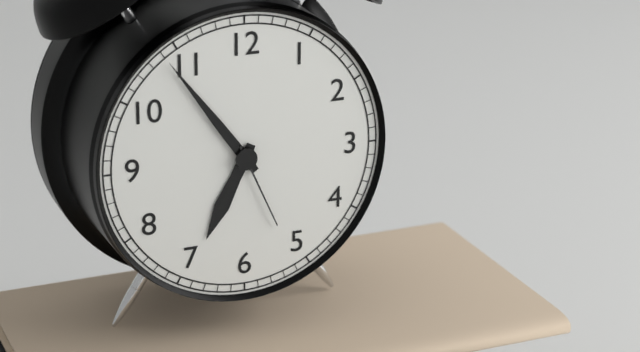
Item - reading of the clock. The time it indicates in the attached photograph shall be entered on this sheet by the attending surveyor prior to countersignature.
6:54:26
